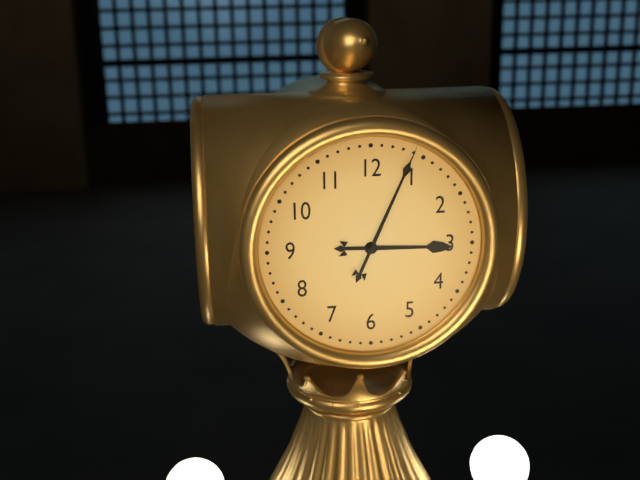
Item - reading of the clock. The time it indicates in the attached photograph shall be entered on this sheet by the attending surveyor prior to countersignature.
3:04
